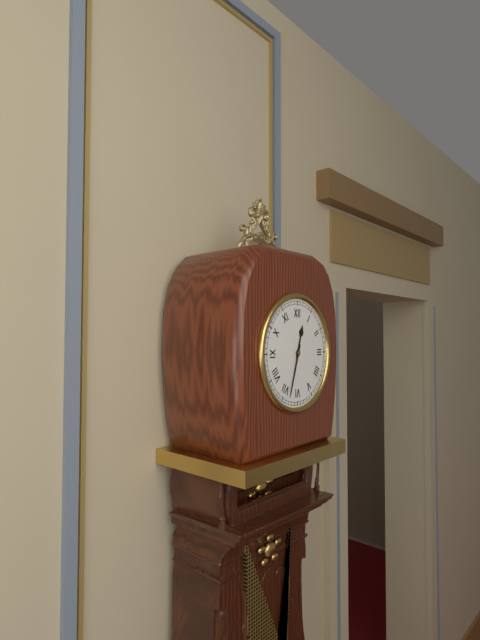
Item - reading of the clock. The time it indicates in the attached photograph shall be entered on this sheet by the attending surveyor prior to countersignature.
12:33
